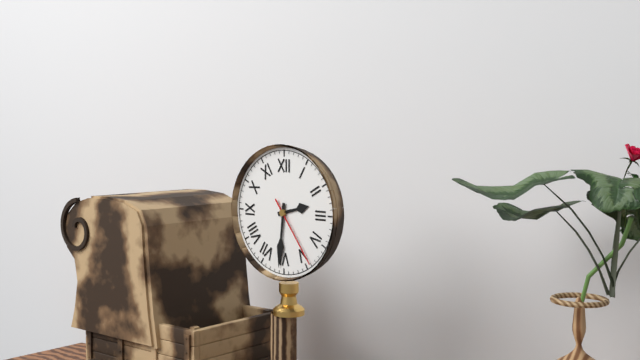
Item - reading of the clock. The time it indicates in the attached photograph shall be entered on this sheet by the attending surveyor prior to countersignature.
2:31:24
